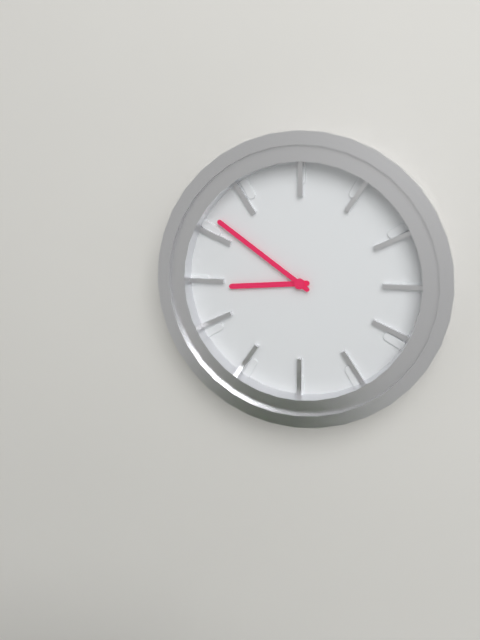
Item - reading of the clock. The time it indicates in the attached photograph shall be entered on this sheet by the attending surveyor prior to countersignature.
8:51
